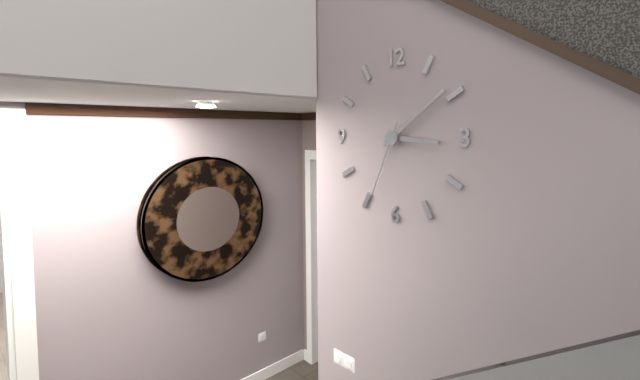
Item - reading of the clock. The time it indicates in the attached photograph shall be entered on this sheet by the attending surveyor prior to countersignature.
3:09:34
